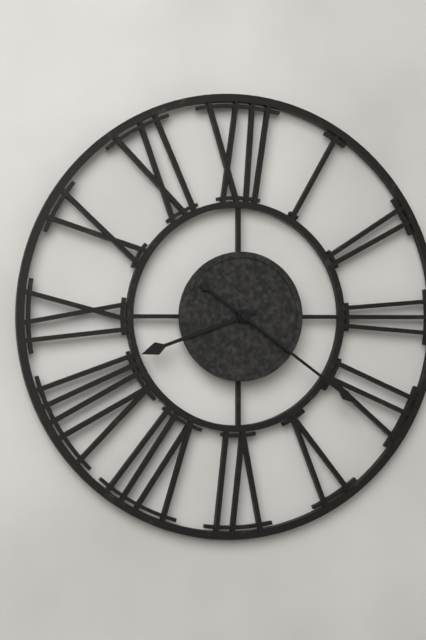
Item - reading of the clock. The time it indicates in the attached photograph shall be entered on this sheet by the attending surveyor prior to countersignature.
8:21
